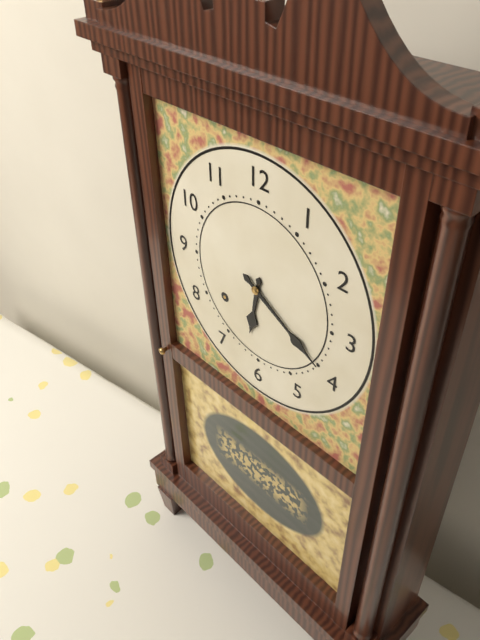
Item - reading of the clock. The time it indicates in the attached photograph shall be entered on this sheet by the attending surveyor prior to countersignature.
6:20
